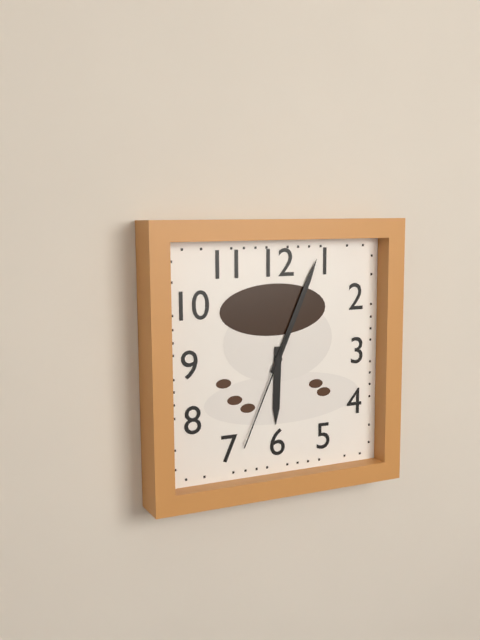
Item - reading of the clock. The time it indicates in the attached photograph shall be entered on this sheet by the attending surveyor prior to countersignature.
6:04:34
